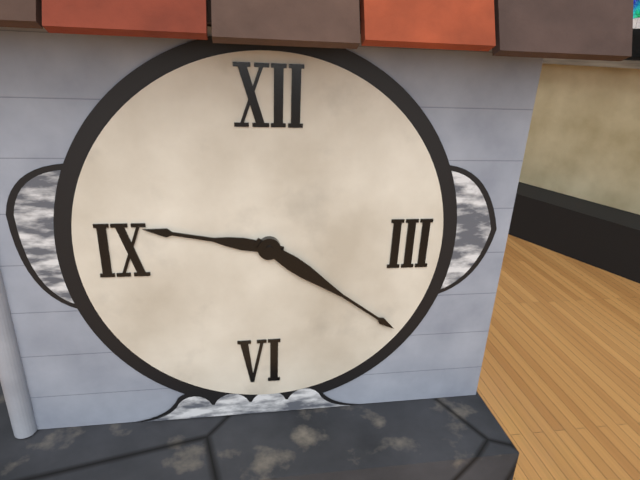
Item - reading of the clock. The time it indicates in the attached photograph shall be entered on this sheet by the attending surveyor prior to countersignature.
9:21
